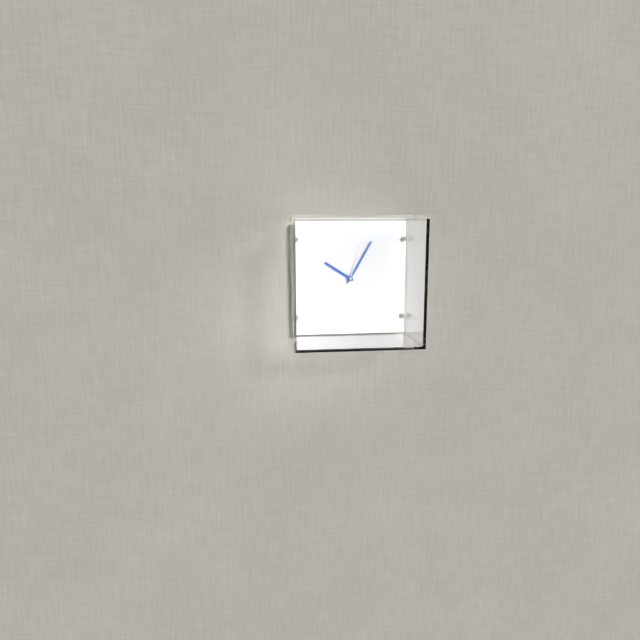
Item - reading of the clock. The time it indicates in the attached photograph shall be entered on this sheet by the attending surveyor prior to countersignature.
10:05:03
